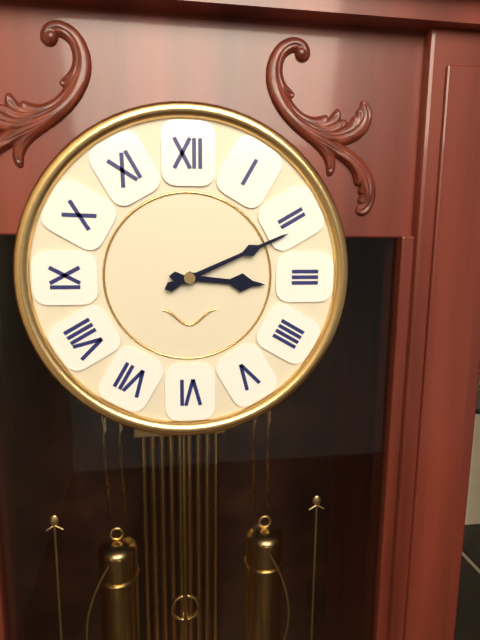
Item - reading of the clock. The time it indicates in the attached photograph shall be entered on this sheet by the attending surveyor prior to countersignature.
3:11
